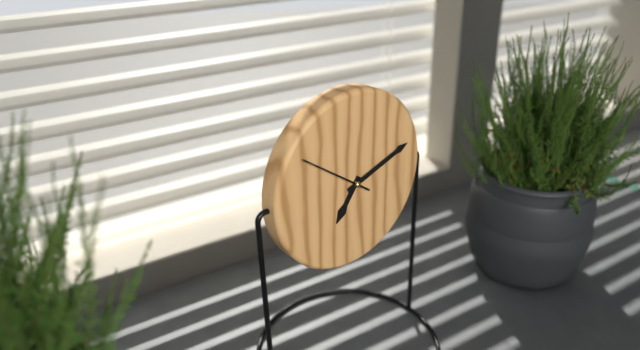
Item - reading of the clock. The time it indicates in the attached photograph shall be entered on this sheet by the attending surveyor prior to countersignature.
7:12:51
